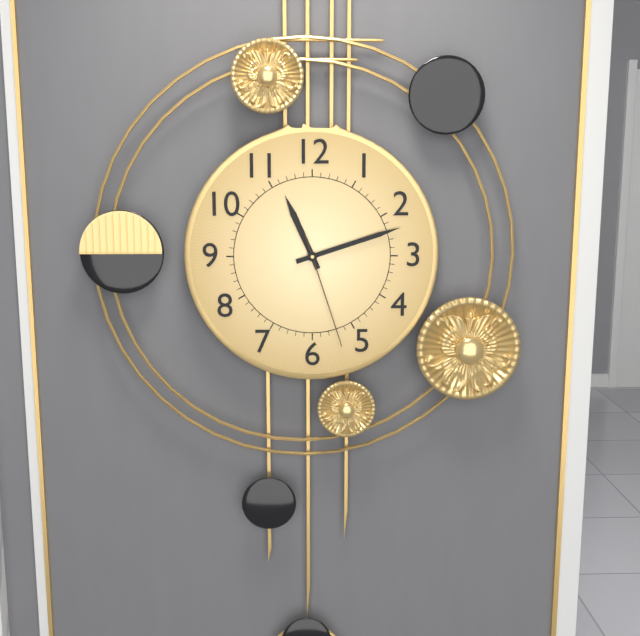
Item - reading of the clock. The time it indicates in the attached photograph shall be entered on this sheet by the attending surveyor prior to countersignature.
11:12:27
